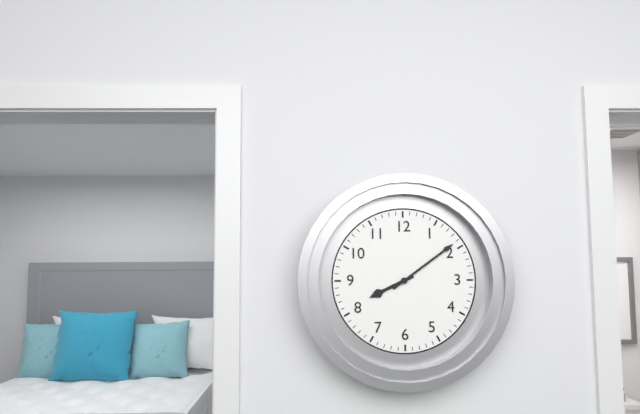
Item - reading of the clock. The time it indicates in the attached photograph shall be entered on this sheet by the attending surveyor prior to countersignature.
8:09
